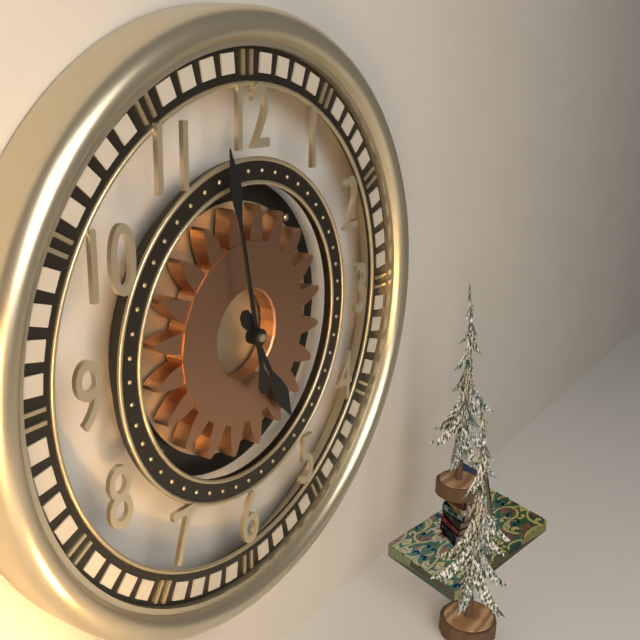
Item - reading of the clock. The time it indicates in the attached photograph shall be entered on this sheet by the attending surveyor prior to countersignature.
4:58
